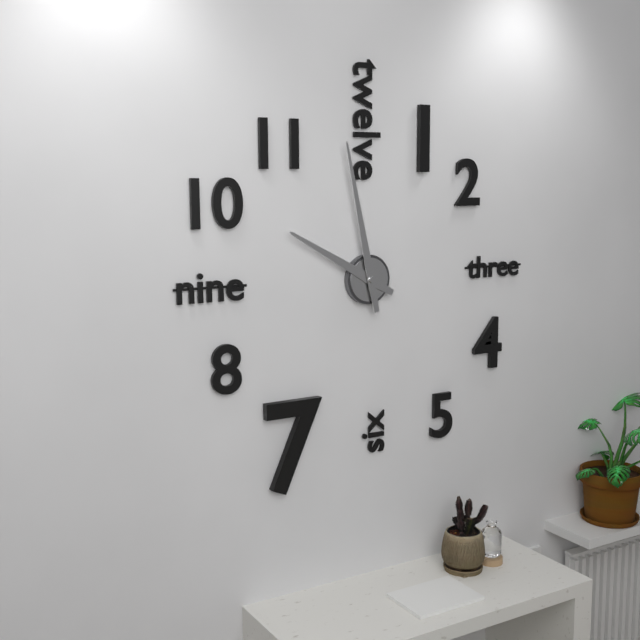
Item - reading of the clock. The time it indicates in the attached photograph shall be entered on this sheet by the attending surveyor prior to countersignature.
9:58
